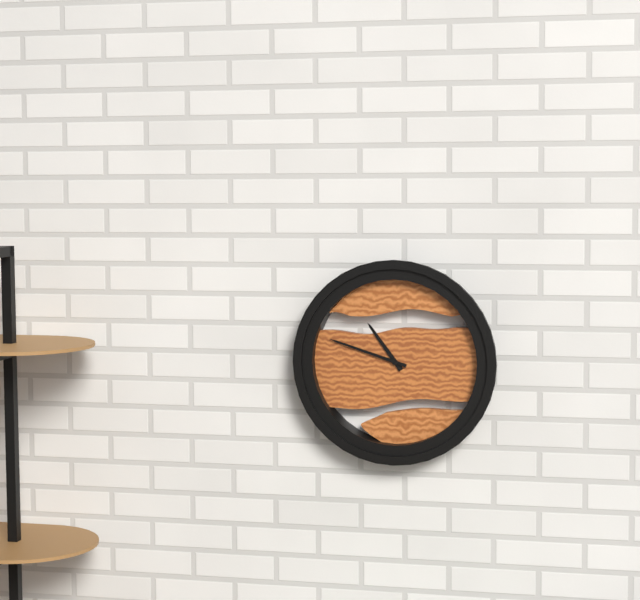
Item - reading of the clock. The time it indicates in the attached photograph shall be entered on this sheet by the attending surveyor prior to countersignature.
10:48
